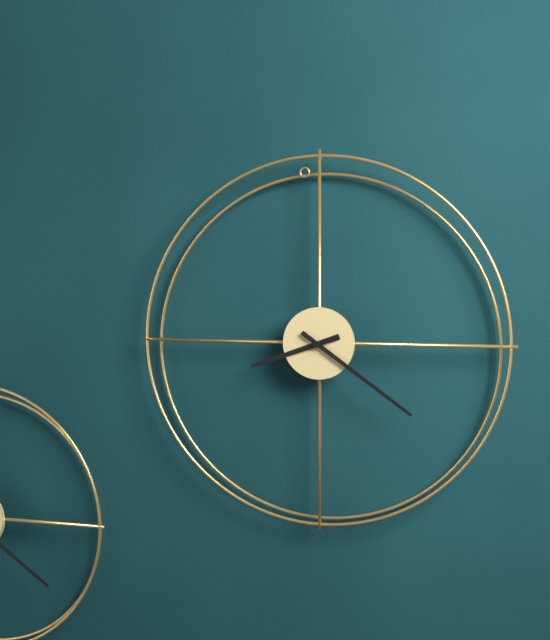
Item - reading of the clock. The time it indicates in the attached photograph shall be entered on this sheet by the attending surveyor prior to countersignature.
8:21
